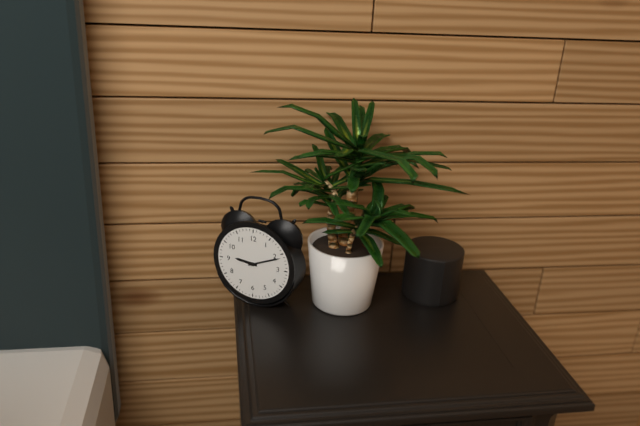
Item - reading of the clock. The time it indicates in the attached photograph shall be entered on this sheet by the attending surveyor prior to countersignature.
9:11
